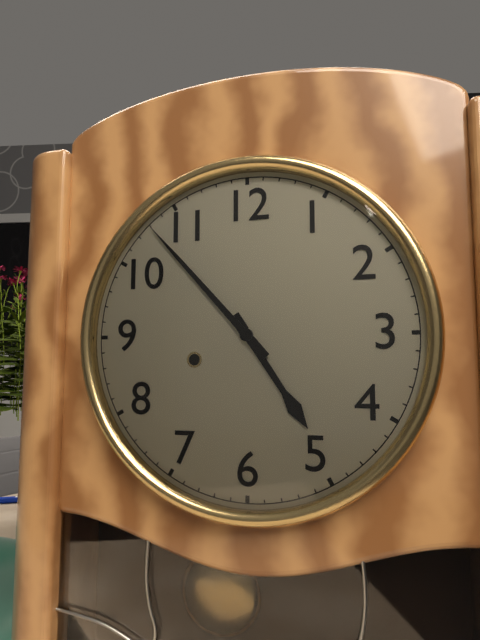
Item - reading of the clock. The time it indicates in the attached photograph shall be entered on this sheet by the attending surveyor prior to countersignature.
4:53
